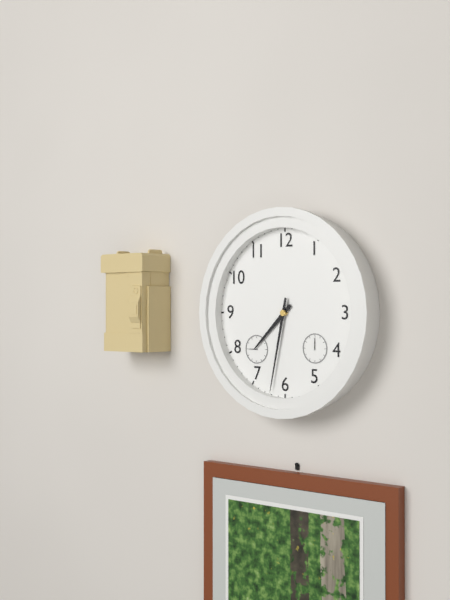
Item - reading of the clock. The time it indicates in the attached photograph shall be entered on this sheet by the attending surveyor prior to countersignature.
7:32
